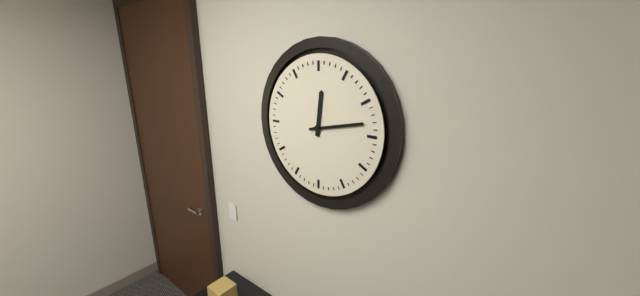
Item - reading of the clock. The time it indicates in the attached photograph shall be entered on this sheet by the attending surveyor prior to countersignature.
12:13
